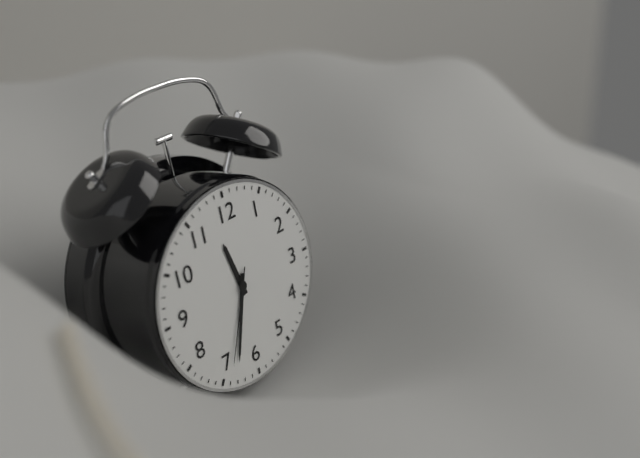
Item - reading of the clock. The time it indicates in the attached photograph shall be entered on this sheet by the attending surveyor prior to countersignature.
11:33:34
